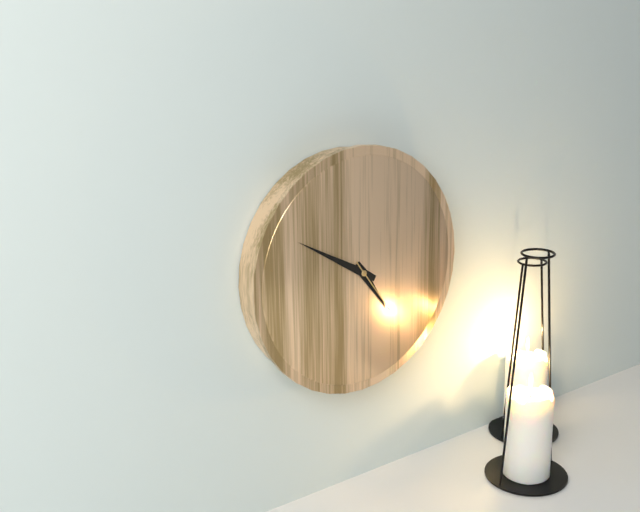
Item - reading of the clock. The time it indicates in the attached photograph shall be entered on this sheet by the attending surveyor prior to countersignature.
4:50:24
